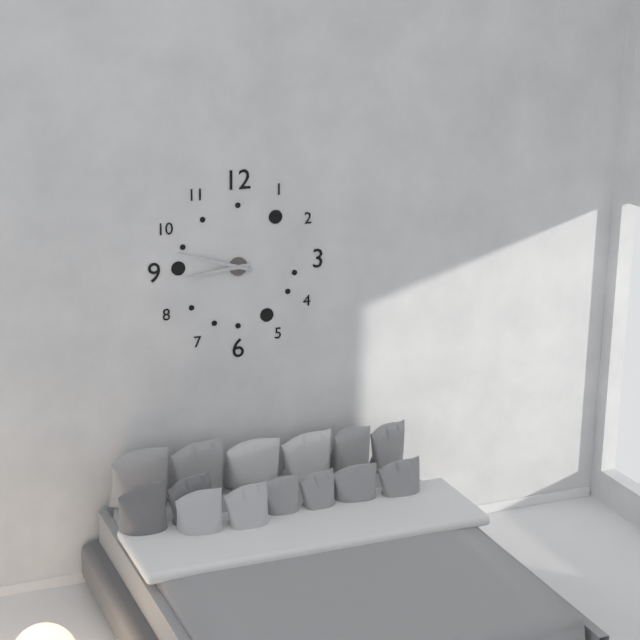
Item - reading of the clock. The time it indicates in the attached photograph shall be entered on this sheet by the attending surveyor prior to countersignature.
8:48
